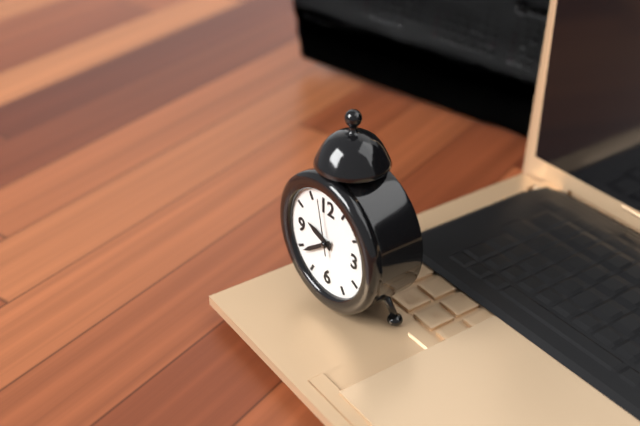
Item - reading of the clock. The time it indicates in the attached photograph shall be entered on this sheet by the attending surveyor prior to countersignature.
9:39:58
